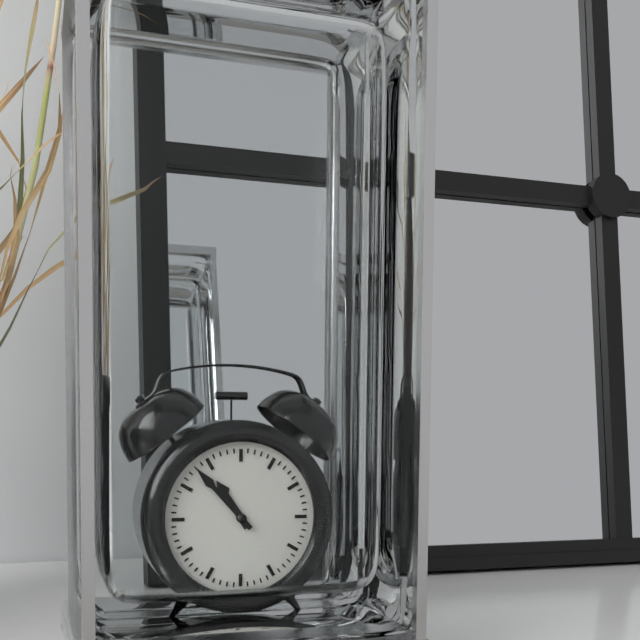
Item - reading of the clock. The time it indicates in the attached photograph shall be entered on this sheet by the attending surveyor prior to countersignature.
10:53
